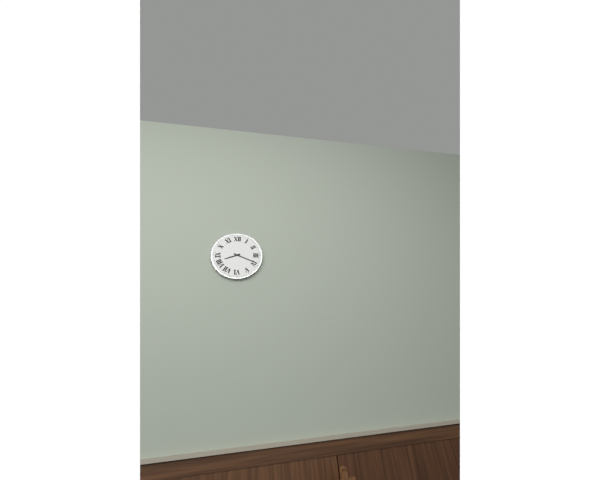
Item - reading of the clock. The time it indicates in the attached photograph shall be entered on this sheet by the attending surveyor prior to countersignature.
8:19
